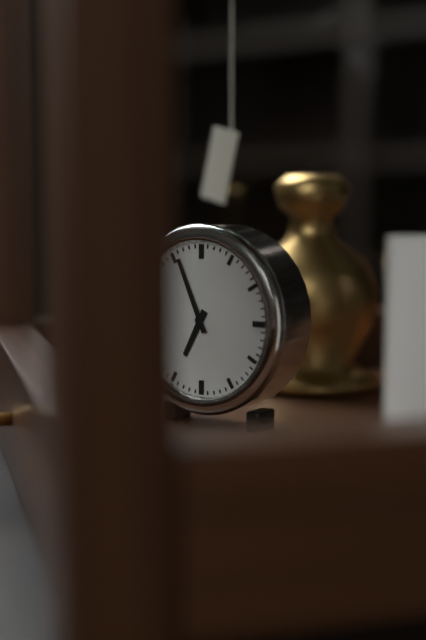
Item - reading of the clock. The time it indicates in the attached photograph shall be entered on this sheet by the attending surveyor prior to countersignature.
6:56
